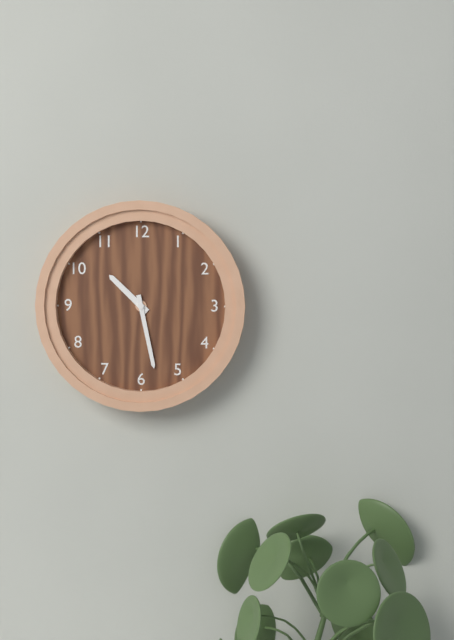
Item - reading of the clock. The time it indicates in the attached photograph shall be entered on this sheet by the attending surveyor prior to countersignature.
10:28
